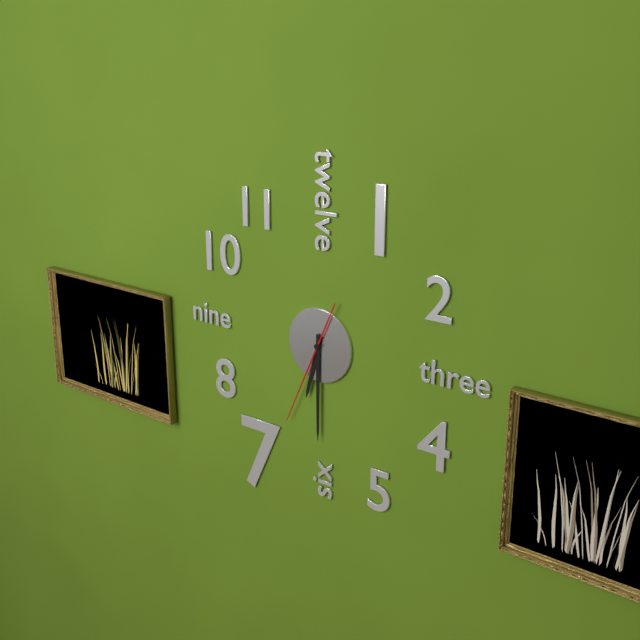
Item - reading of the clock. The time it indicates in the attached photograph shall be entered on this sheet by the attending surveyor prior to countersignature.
6:30:34
